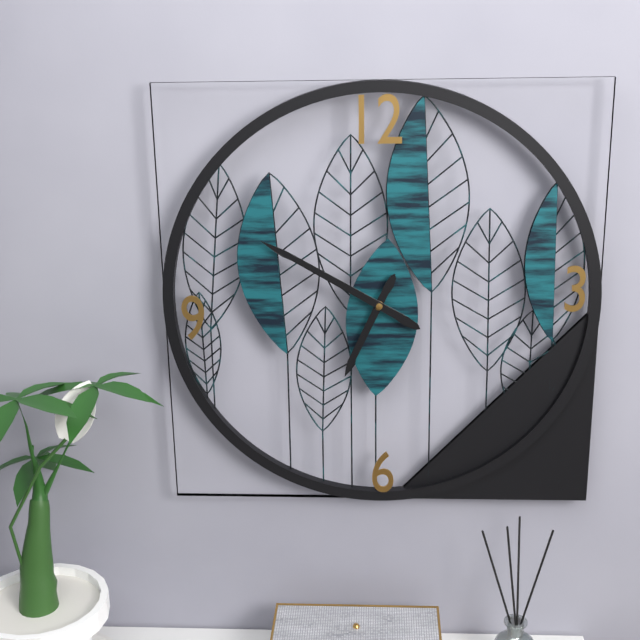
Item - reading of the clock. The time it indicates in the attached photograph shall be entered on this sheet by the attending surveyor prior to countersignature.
6:50
